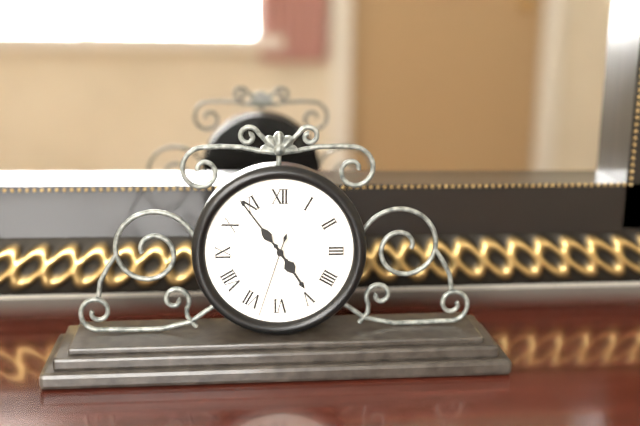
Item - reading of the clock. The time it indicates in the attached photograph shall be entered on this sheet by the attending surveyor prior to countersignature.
4:54:33
